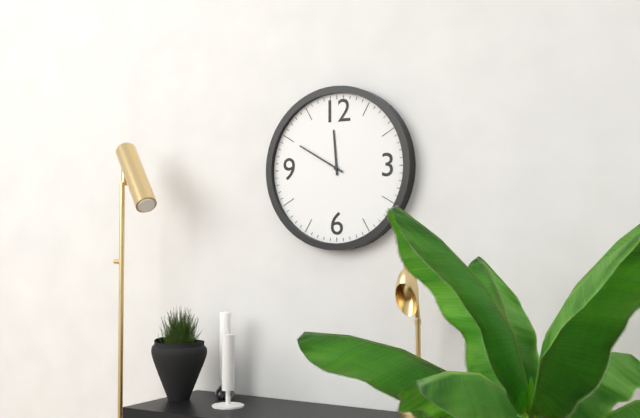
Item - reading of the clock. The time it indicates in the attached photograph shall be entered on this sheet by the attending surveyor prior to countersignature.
11:50
